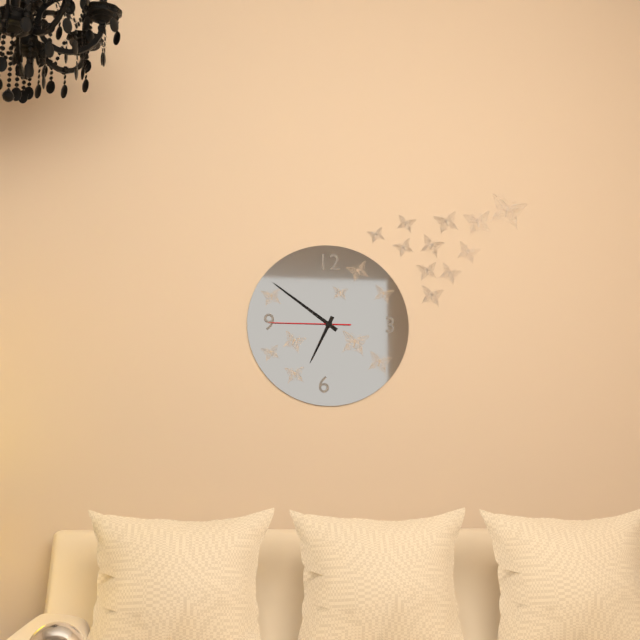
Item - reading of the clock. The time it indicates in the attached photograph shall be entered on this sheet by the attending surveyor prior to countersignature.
6:51:45
